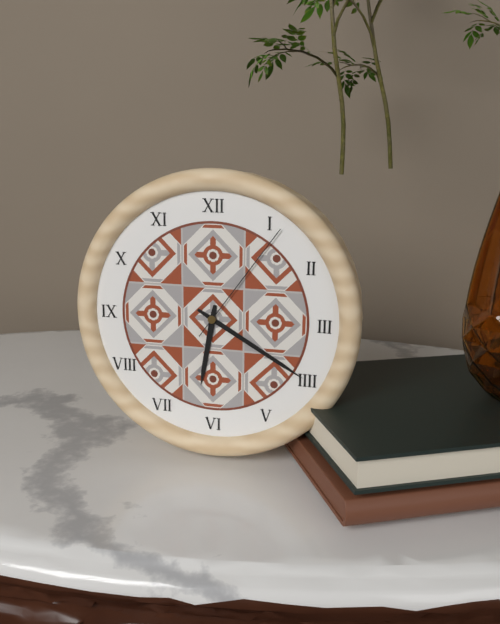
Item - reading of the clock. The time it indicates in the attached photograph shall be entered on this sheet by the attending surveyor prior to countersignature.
6:20:06
